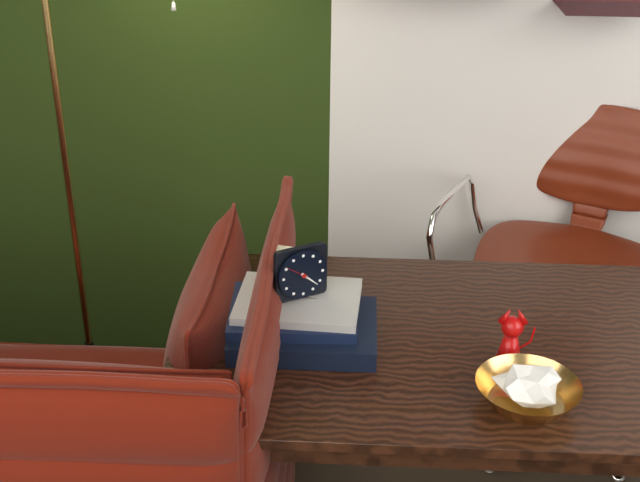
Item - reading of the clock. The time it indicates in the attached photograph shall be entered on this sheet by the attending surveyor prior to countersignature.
4:22
